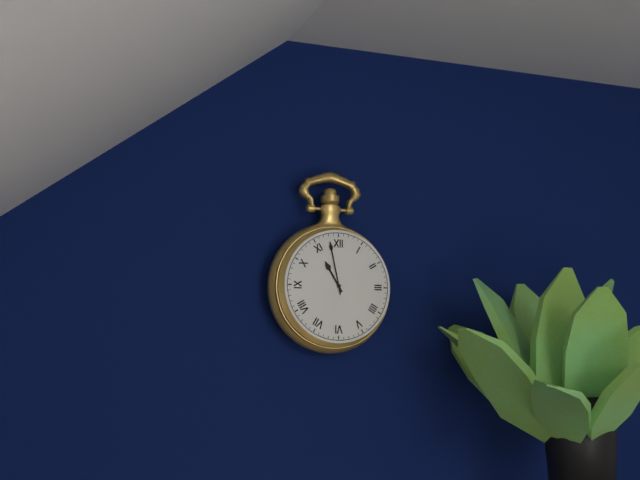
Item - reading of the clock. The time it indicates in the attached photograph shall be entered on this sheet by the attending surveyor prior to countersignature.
10:58
